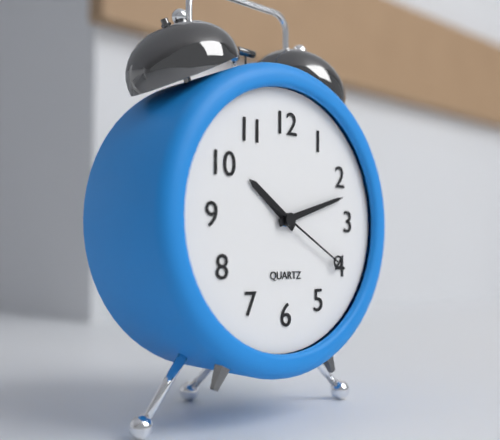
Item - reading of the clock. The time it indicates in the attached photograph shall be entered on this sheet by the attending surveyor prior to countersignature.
10:12:20
